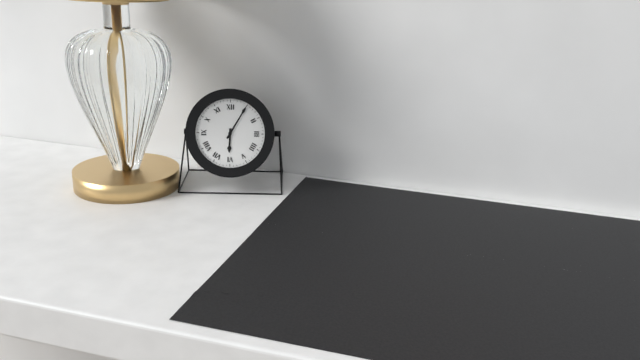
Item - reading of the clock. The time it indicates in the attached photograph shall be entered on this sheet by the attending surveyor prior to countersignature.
6:05
